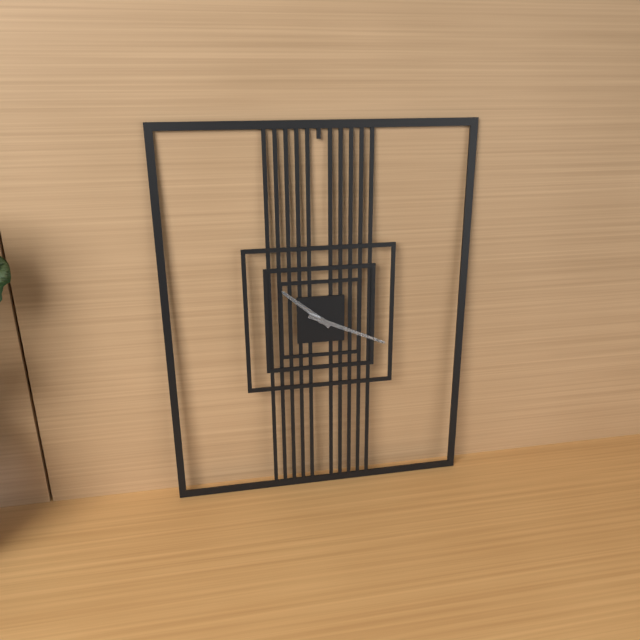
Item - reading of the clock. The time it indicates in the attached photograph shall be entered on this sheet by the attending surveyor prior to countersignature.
10:19
